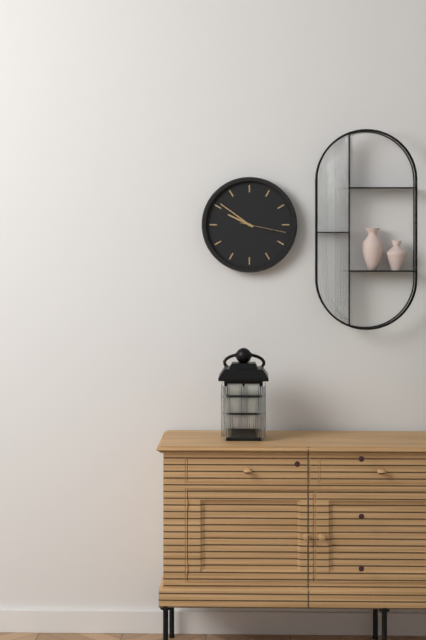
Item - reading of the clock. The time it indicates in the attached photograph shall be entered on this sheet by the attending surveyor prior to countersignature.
9:51
